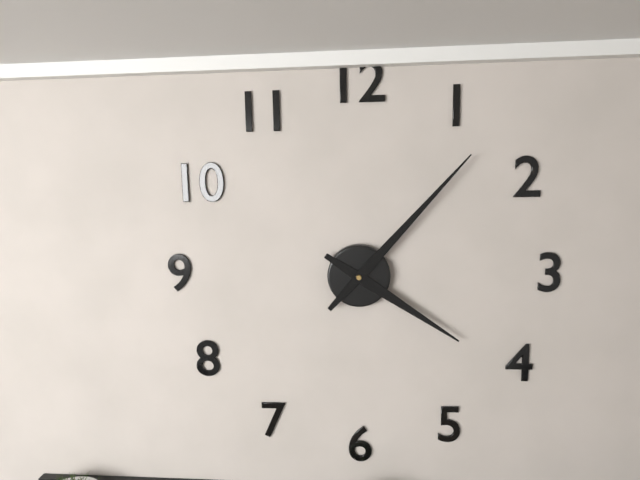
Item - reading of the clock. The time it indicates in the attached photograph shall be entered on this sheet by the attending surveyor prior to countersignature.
4:07
